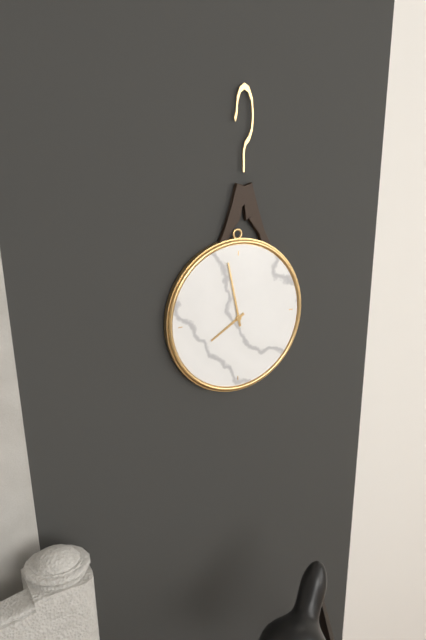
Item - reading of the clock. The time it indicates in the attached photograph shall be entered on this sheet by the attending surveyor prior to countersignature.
7:58
